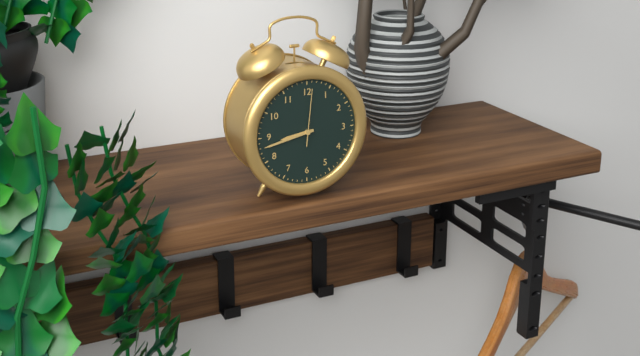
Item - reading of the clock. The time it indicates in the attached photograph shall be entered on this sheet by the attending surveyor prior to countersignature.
8:43:01
